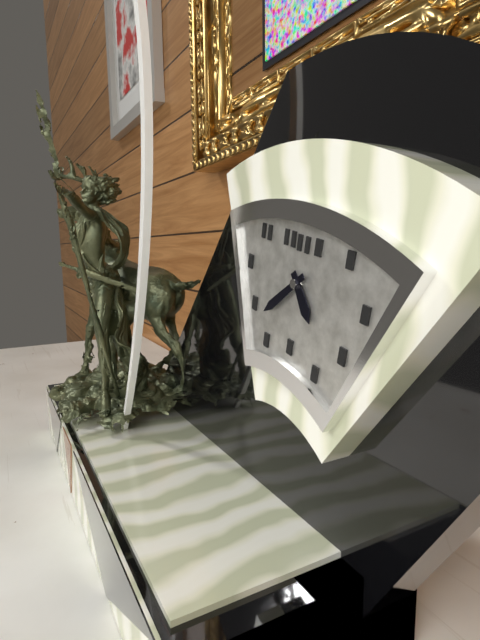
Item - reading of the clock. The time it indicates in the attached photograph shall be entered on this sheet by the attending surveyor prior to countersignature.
4:38
